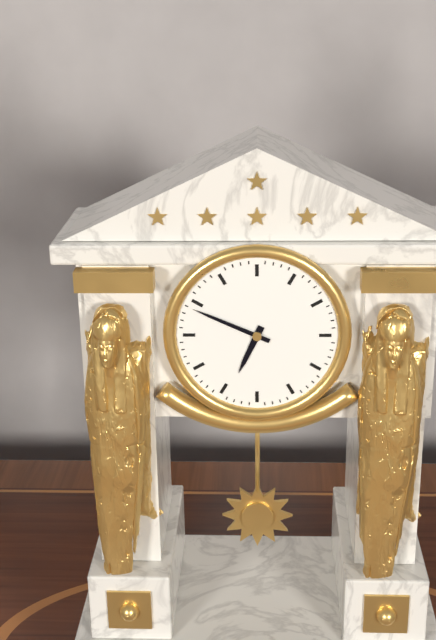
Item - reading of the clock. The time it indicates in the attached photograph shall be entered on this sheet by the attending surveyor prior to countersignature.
6:49
